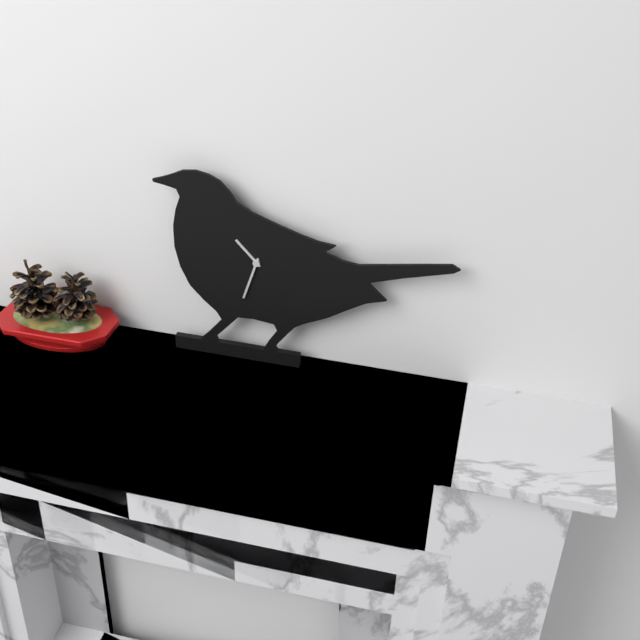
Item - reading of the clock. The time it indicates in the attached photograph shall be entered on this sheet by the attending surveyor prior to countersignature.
10:33
